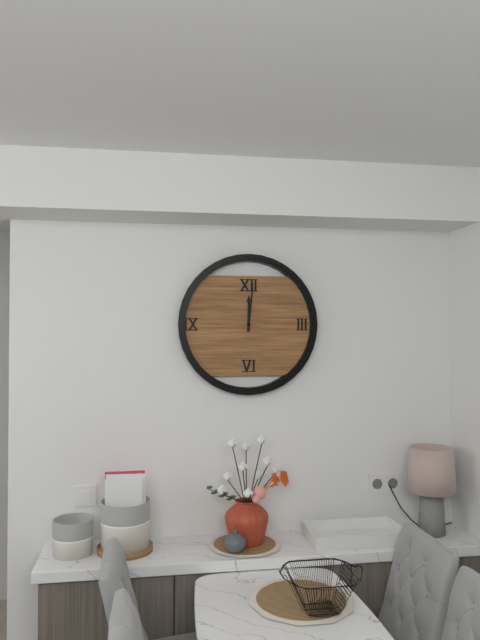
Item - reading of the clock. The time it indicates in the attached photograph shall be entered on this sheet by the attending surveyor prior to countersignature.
12:01
